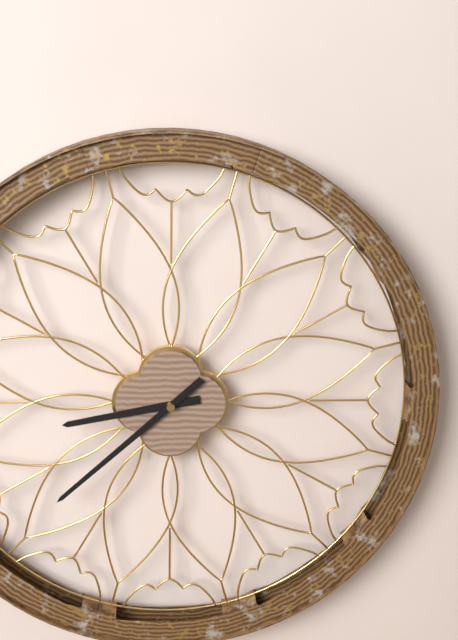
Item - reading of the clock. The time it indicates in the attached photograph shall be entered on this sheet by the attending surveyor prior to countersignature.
8:38
